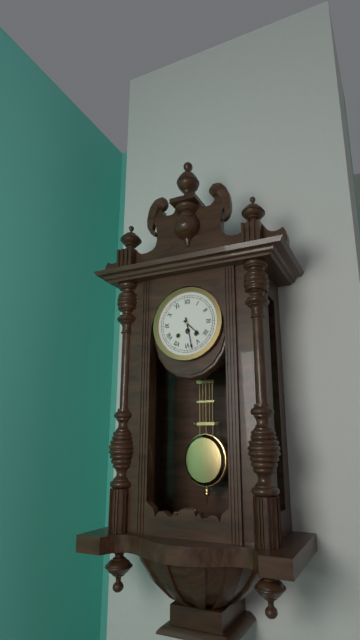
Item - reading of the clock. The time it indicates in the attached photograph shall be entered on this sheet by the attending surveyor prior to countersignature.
4:28
